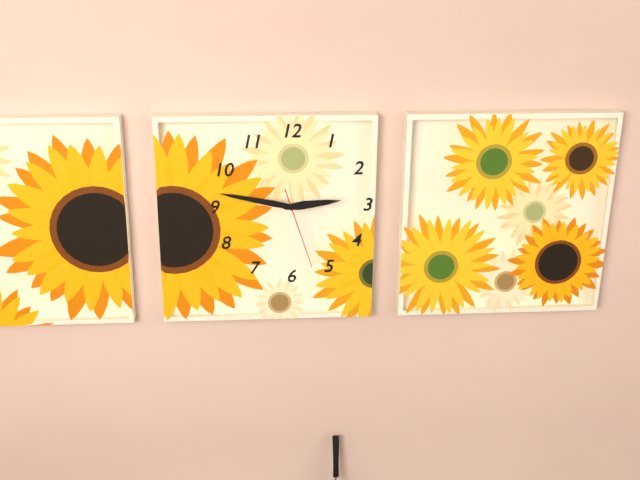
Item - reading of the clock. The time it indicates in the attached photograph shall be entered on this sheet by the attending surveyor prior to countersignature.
2:47:27
